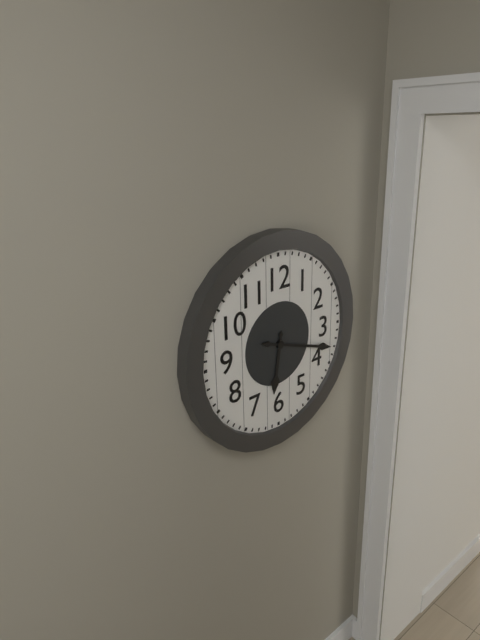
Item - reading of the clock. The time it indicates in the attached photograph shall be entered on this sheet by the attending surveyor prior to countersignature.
6:18
